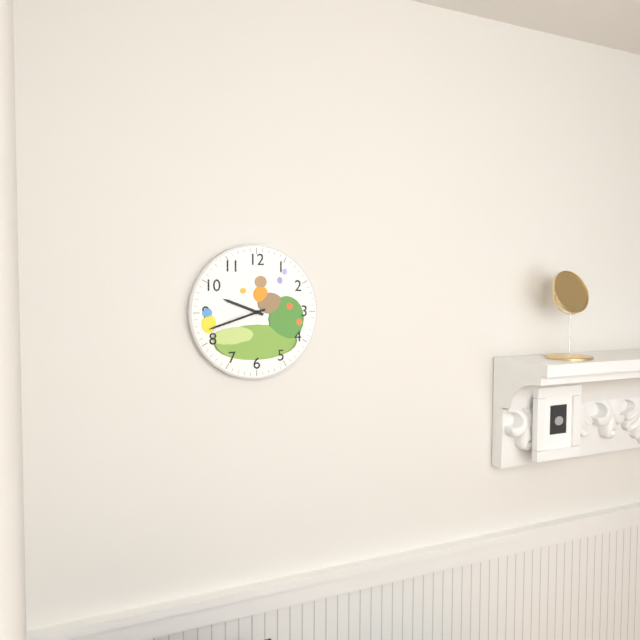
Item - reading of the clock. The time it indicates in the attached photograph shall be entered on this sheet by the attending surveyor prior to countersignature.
9:42
